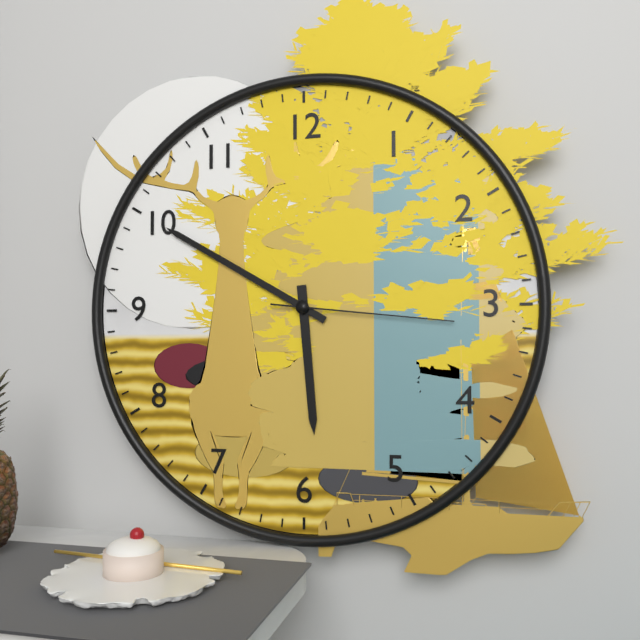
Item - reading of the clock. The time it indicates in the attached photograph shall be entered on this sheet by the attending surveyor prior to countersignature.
5:50:16
